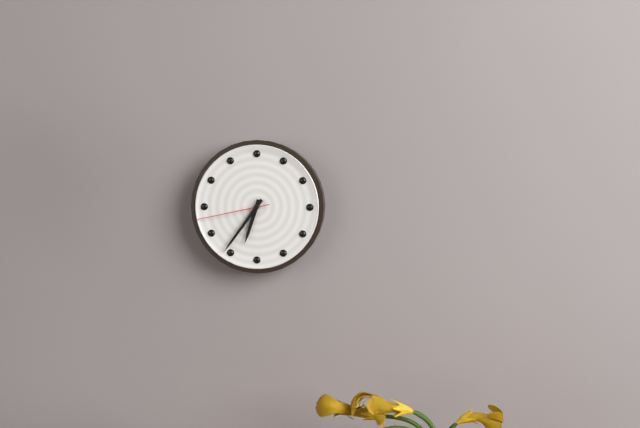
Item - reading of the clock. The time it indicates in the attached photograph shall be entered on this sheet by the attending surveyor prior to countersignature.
6:36:43
